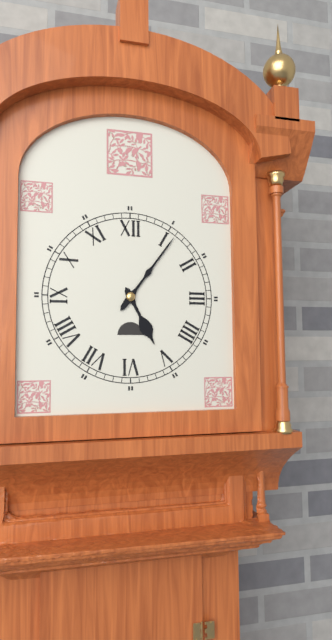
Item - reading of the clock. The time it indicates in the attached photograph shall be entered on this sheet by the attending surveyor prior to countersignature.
5:06
